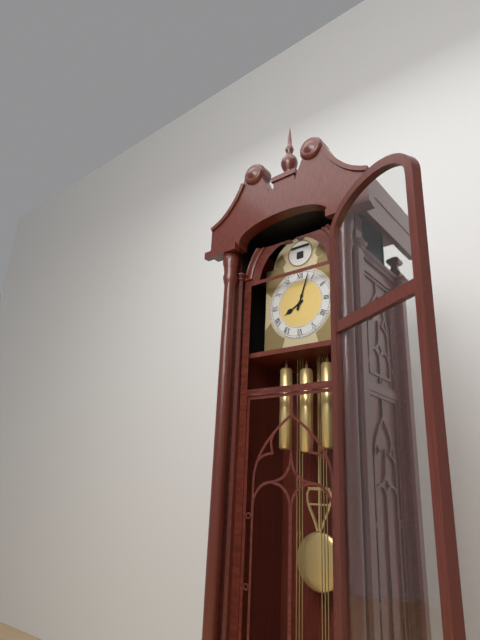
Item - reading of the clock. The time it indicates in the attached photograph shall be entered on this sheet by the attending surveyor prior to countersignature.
8:03
